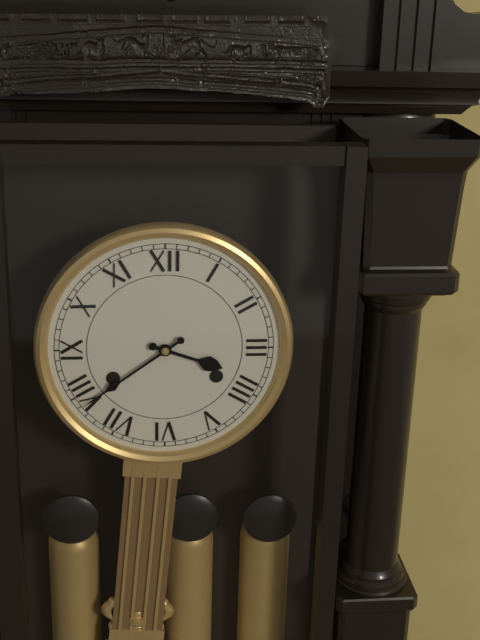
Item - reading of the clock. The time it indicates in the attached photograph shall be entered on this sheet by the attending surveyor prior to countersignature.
3:39
